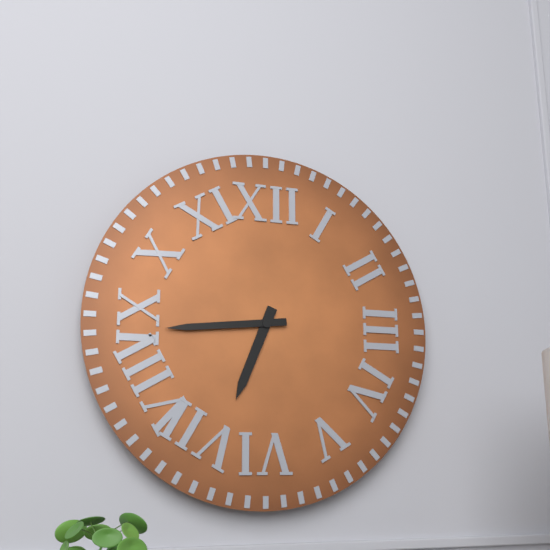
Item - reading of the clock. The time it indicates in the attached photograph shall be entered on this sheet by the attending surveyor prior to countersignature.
6:44
